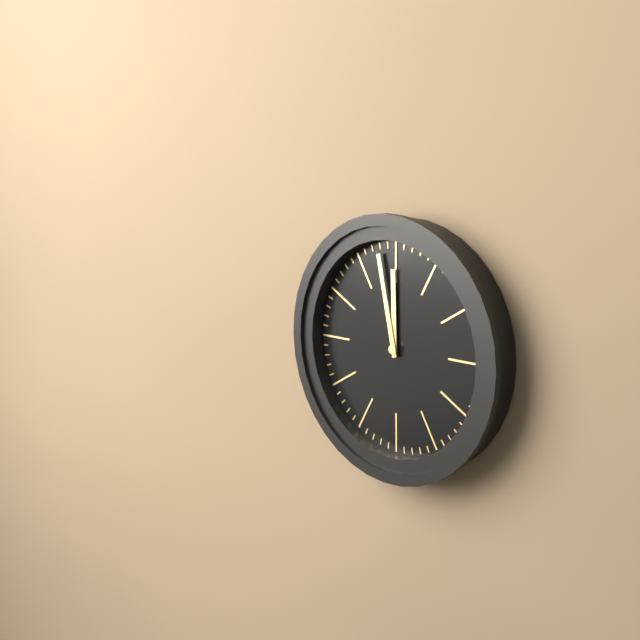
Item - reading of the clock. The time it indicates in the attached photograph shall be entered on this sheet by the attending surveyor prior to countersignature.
11:58
